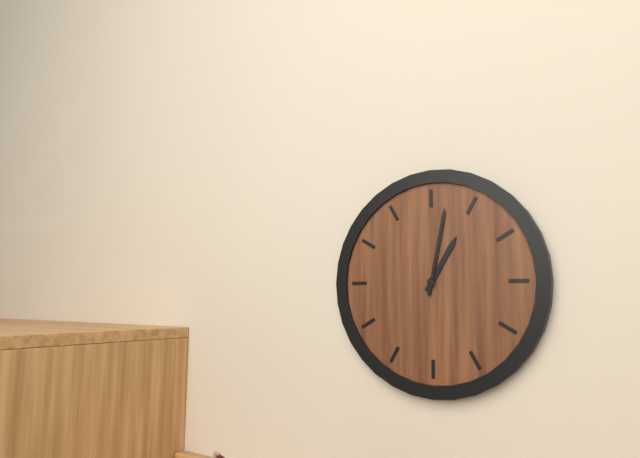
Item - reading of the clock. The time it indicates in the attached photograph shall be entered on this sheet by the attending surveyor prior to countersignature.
1:02
